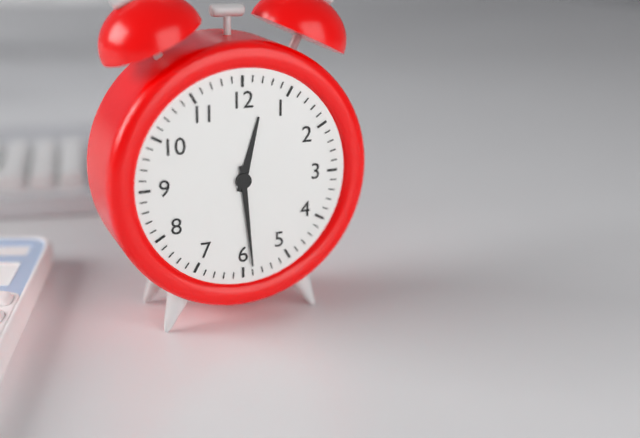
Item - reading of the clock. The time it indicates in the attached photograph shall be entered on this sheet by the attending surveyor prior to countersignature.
12:29
